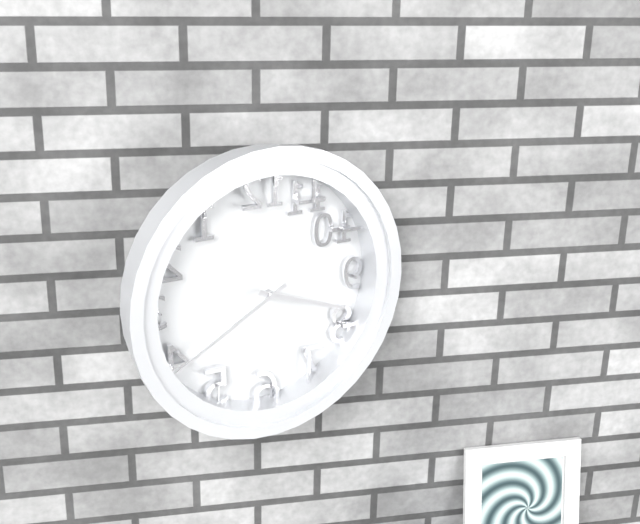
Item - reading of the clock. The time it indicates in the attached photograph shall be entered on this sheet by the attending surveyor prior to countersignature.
3:40
